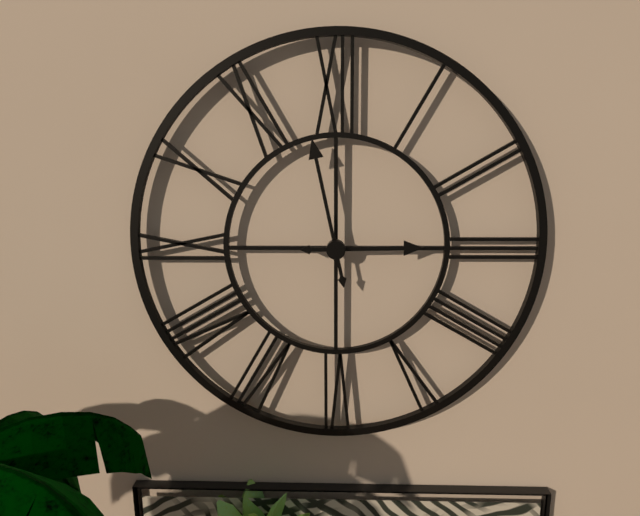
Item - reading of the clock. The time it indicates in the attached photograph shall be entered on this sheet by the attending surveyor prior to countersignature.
2:58
